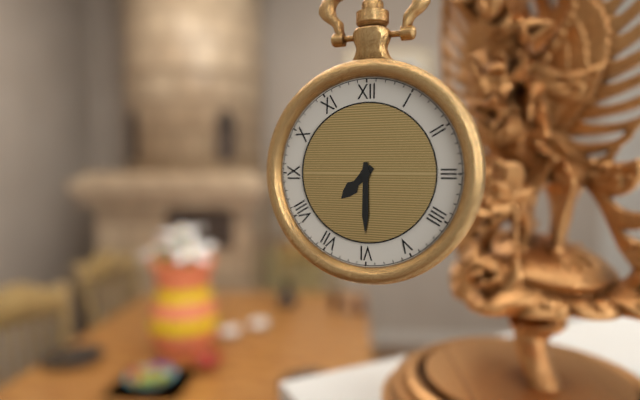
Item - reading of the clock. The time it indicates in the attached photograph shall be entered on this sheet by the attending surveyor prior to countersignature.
7:30
